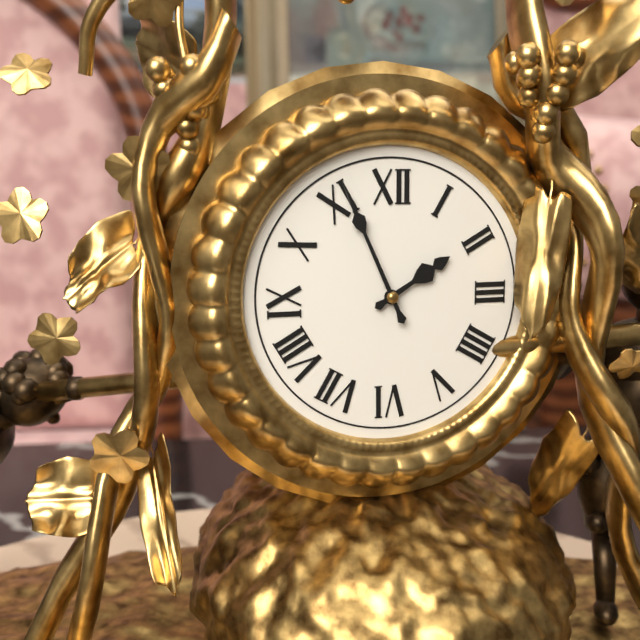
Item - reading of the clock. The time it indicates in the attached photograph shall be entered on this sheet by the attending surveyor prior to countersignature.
1:56
